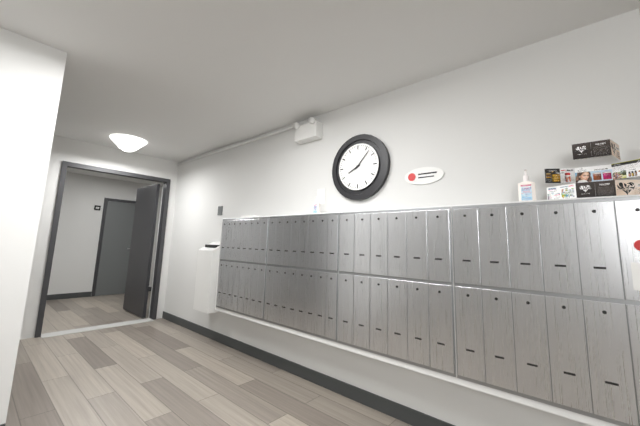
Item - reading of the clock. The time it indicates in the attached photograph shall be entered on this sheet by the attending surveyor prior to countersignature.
8:07
